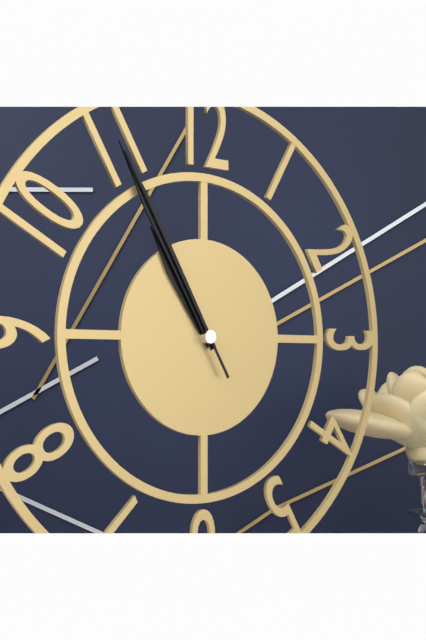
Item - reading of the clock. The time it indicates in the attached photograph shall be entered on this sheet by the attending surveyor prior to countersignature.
10:55:55
